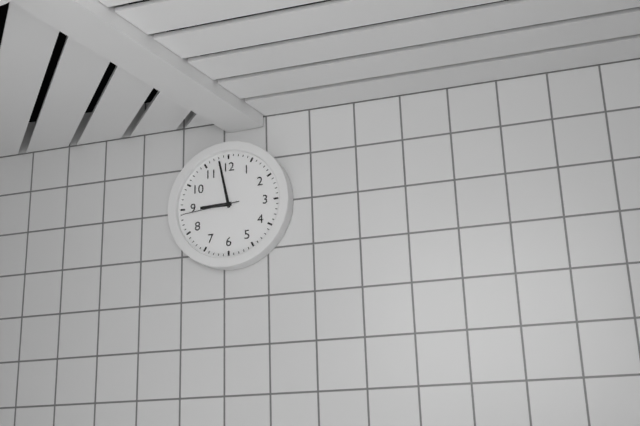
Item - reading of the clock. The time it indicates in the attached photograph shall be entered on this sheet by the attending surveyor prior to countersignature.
8:58:44
